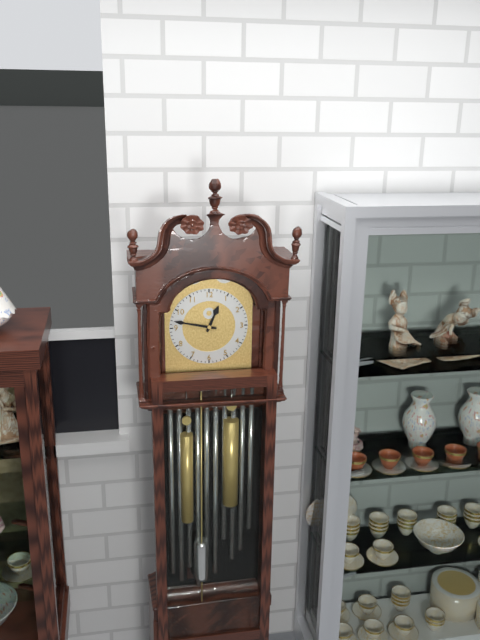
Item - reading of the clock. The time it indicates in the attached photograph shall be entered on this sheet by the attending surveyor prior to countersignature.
12:47
